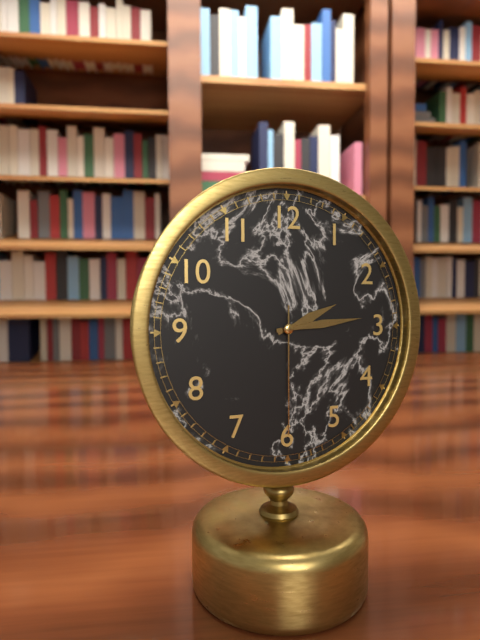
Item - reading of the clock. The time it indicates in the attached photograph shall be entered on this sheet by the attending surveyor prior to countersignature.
2:14:30
